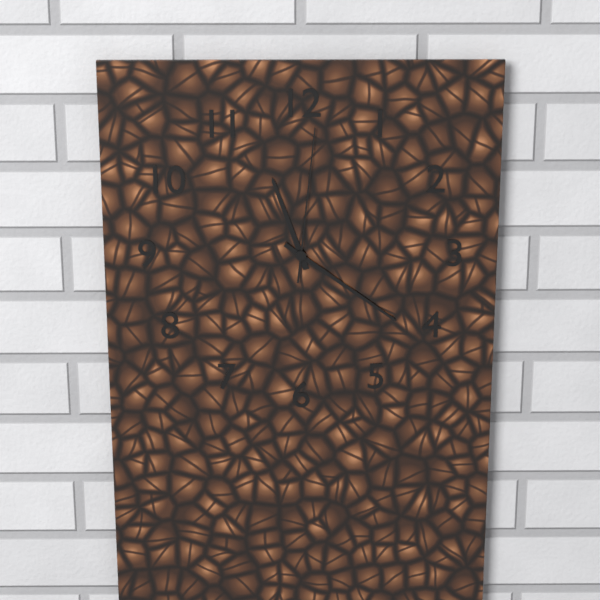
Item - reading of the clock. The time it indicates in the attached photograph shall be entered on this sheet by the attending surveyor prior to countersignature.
11:21:01
